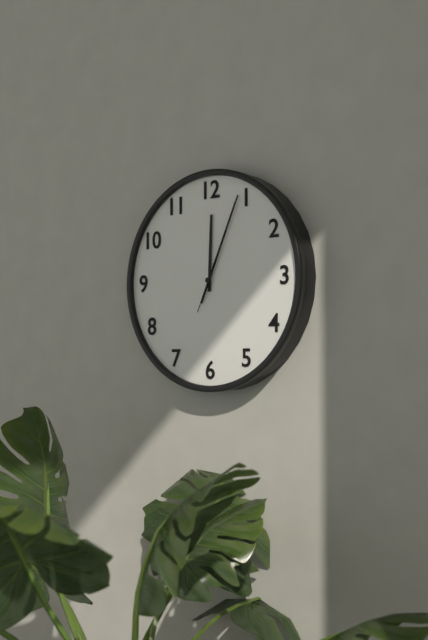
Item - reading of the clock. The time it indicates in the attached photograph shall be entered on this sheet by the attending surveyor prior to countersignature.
12:04:04
